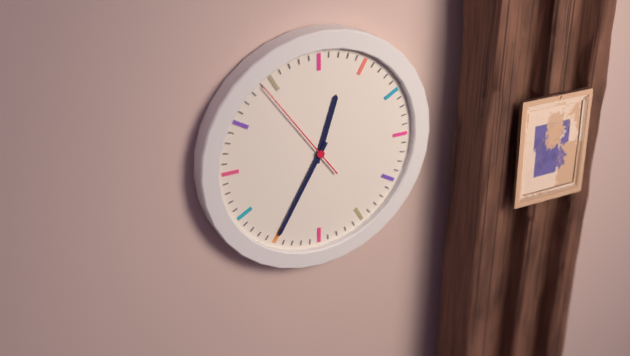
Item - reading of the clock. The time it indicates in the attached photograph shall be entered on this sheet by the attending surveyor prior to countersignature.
12:35:54
